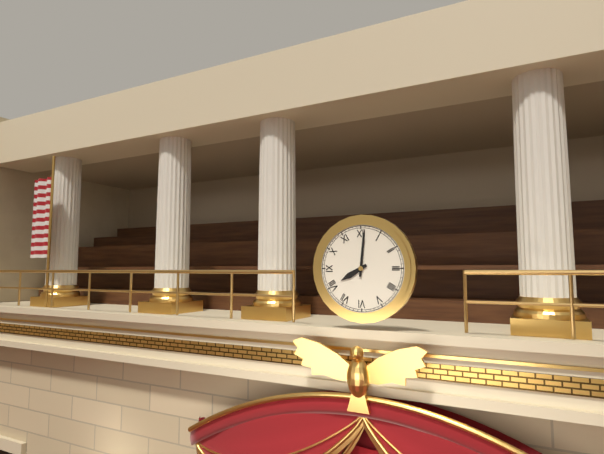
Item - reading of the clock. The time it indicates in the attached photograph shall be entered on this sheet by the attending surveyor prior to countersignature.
8:01
